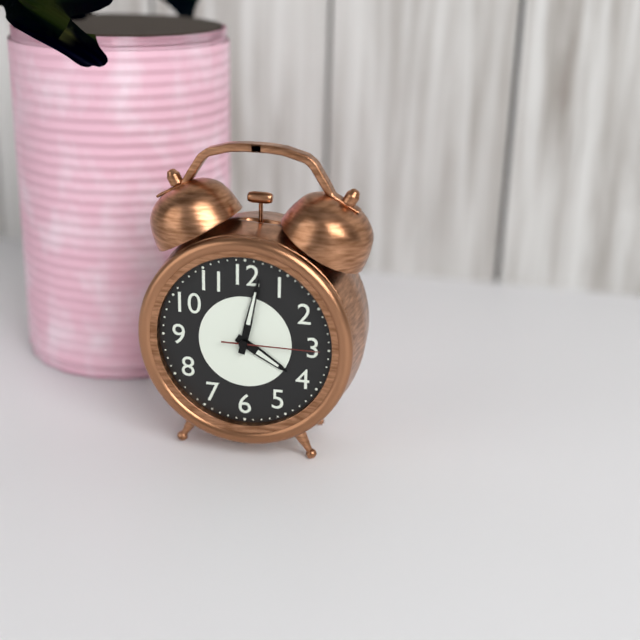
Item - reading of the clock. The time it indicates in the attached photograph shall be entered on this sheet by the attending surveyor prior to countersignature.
4:02:15
